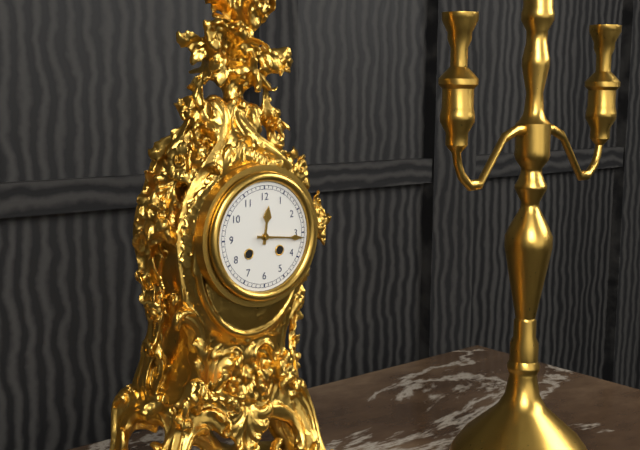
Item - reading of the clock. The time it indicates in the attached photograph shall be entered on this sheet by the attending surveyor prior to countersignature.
12:16
